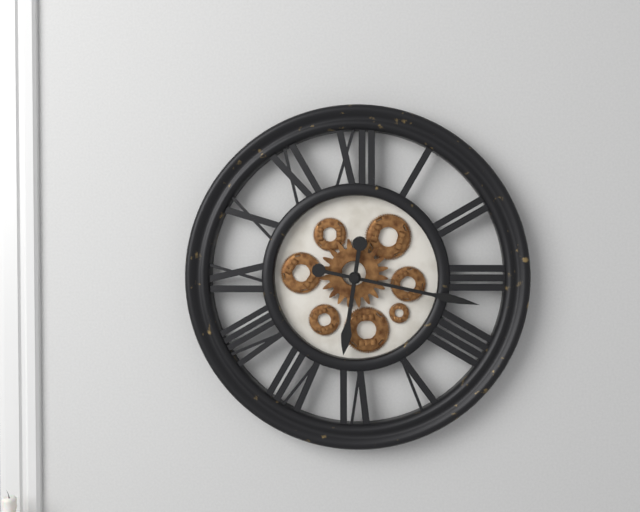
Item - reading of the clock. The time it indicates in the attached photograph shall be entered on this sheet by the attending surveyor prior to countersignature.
6:17
